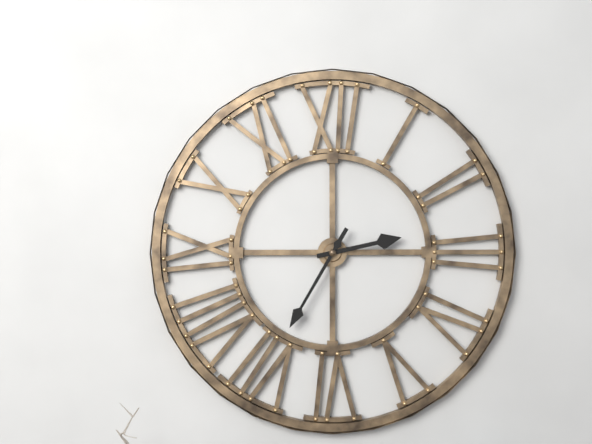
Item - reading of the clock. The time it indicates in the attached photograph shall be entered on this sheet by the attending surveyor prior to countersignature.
2:35
